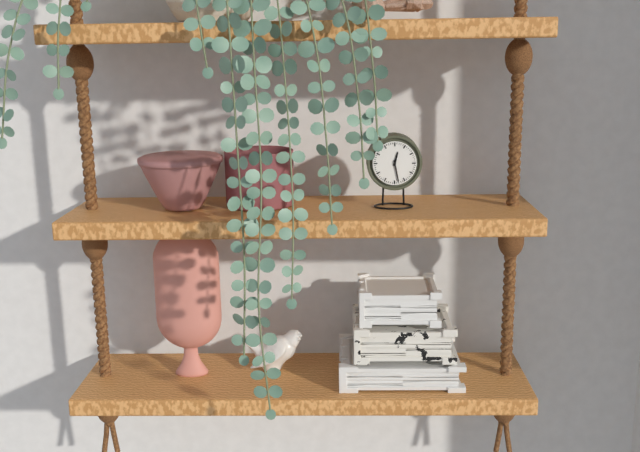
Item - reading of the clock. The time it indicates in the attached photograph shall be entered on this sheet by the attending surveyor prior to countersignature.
12:28
